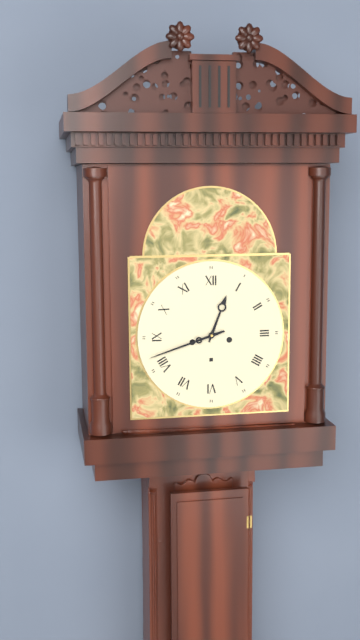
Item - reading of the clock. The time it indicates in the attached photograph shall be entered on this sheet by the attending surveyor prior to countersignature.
12:42
